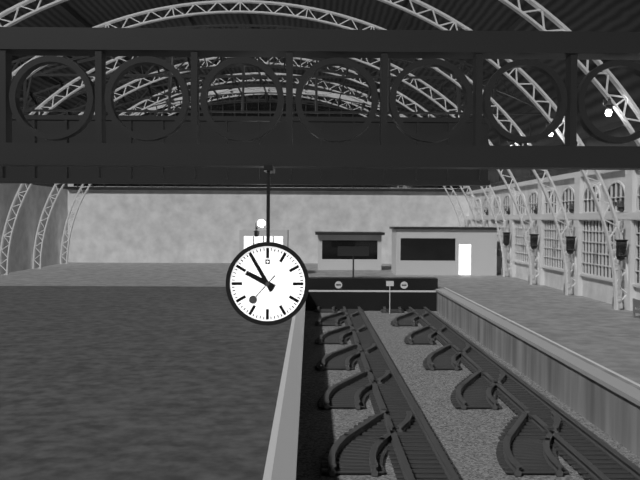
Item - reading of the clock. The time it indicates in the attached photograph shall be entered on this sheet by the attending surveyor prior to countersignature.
9:55
